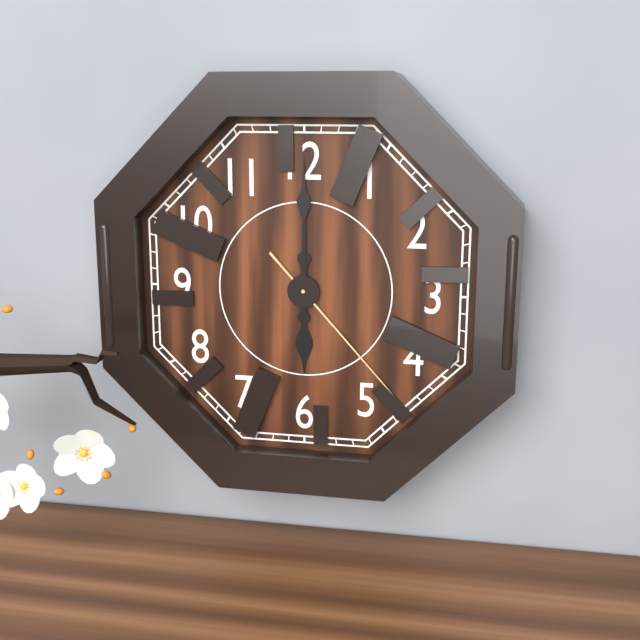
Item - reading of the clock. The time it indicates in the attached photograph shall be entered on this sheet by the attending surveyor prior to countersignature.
6:00:23
